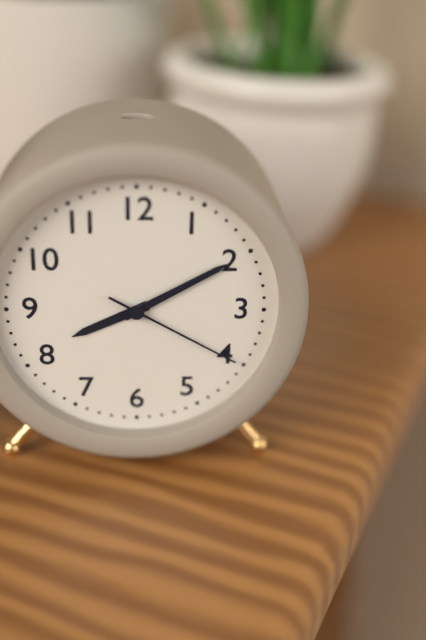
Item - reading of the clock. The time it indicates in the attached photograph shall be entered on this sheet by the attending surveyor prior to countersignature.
8:10:20
